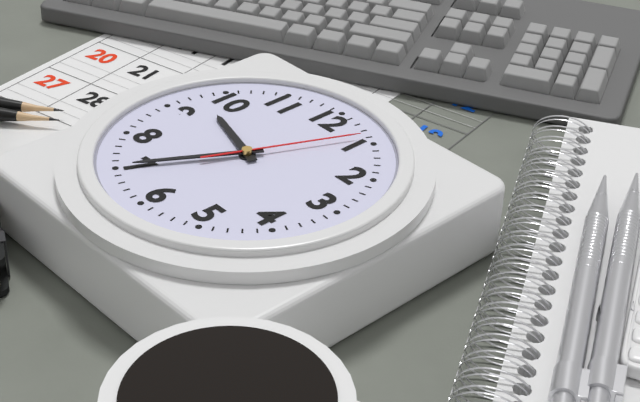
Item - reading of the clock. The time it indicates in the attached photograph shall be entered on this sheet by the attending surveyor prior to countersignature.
9:35:04
